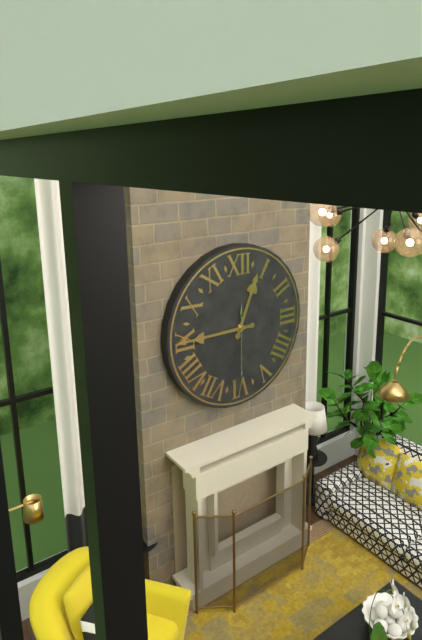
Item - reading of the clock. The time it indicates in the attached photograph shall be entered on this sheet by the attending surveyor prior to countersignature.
12:45:30
